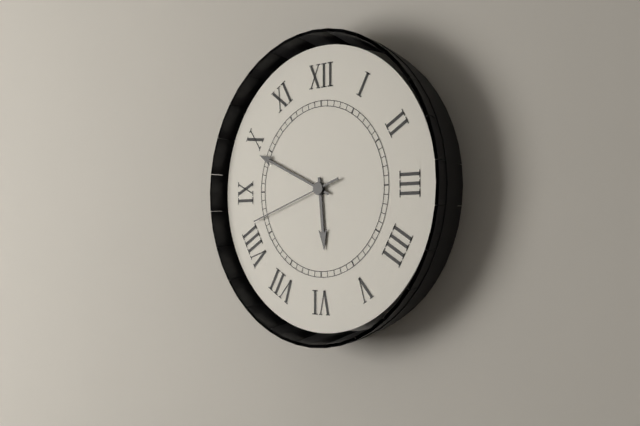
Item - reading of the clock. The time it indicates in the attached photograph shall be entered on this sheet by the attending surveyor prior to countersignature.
5:49:42
